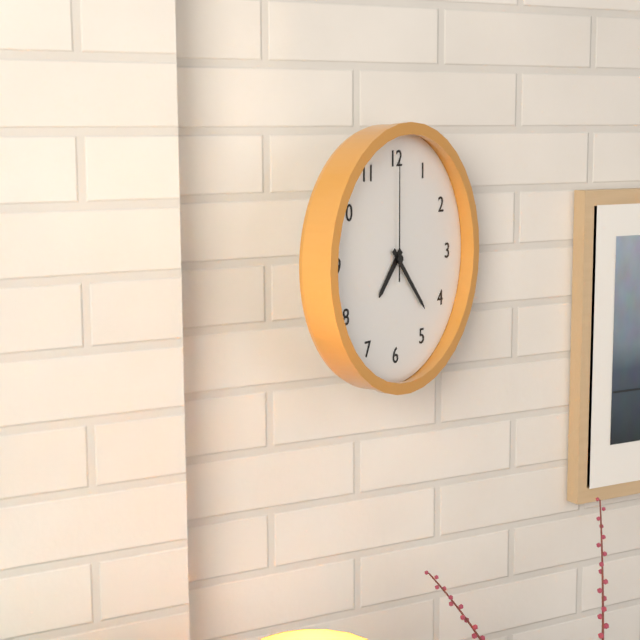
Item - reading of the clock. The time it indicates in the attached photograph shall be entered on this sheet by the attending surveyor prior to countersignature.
7:23:00
